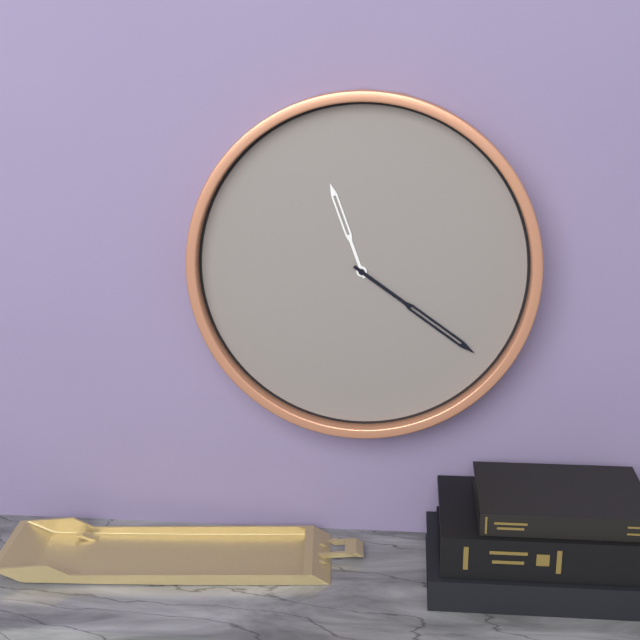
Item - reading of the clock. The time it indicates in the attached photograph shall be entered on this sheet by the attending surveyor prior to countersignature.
11:21
